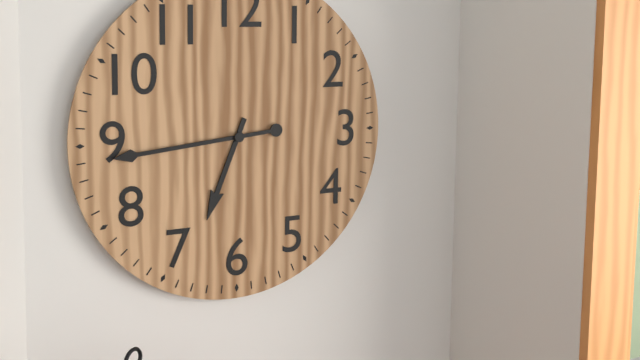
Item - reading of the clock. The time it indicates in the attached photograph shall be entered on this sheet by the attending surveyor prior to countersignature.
6:44
